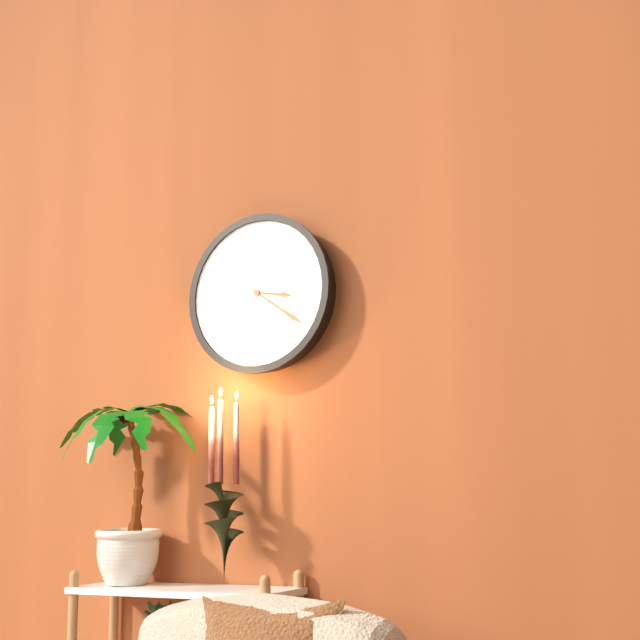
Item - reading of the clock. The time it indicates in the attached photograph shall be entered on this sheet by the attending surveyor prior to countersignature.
3:21
